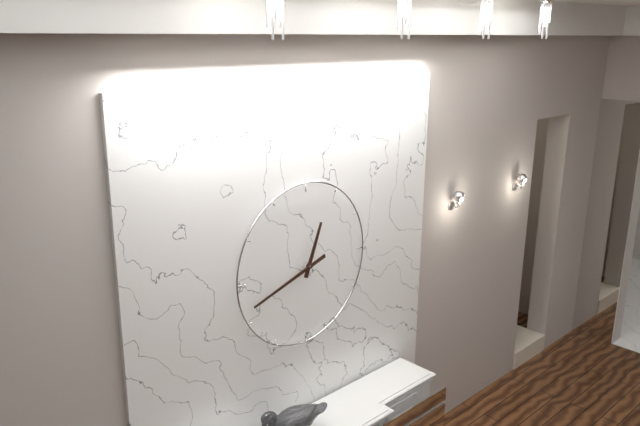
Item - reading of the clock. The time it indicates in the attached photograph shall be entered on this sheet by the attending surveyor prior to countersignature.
12:42
